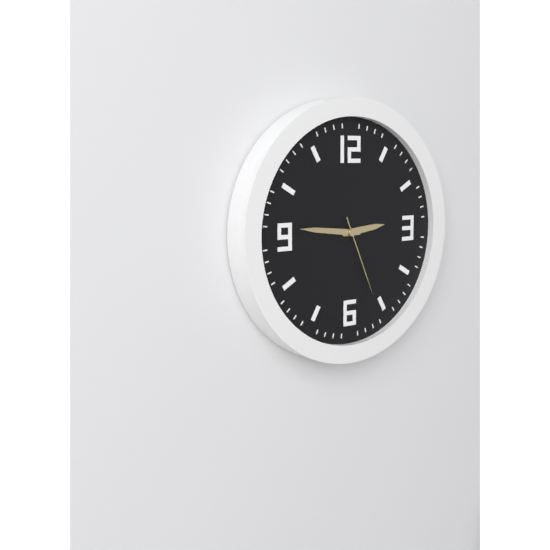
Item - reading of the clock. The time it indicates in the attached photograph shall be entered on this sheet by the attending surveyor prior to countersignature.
2:46:26
